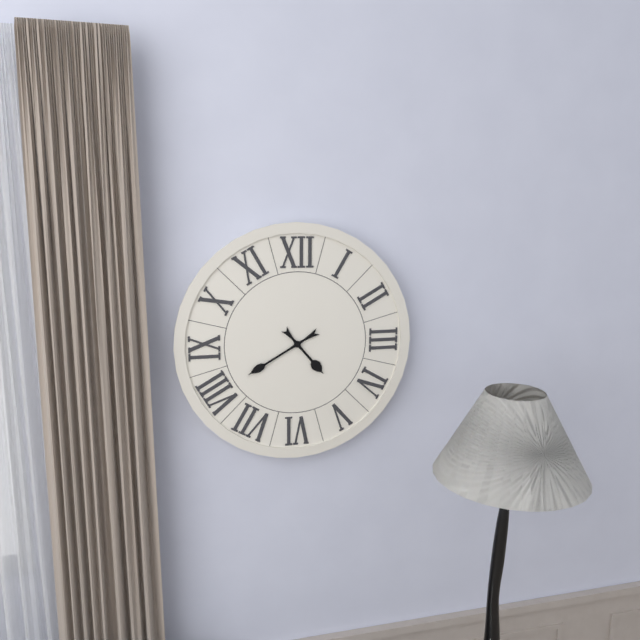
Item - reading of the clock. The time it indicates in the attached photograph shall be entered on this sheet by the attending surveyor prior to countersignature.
4:40
